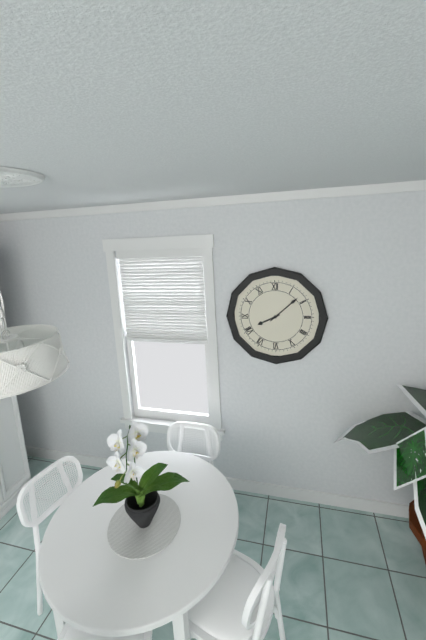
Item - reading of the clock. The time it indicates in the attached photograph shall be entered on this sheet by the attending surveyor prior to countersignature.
8:08
